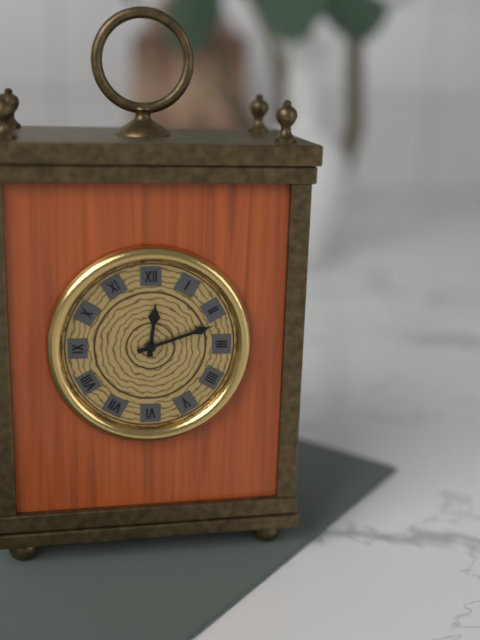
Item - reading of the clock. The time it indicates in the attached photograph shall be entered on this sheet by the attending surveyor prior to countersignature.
12:12
